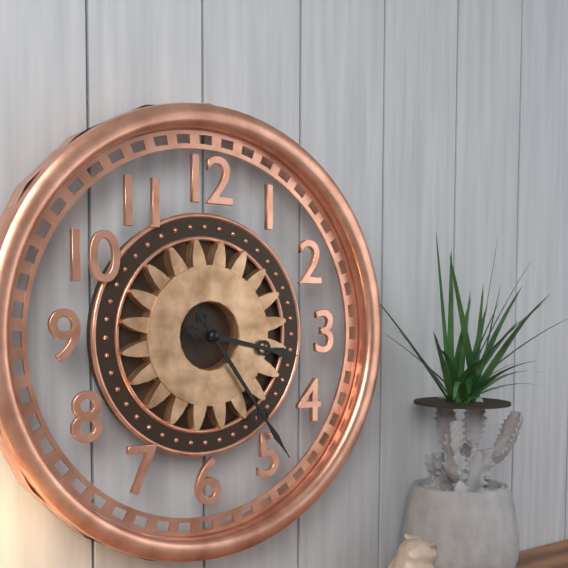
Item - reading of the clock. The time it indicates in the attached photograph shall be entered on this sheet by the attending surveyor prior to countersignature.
3:24
